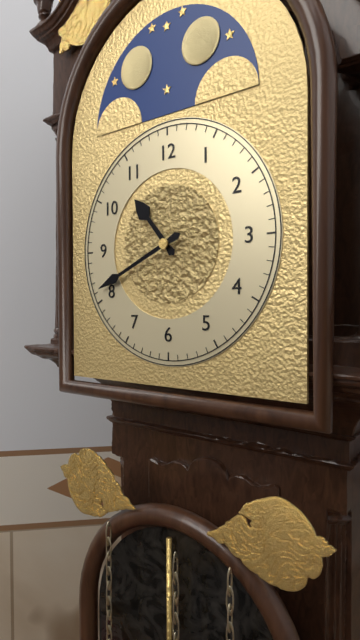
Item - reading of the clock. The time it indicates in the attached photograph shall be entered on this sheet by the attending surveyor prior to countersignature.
10:41
